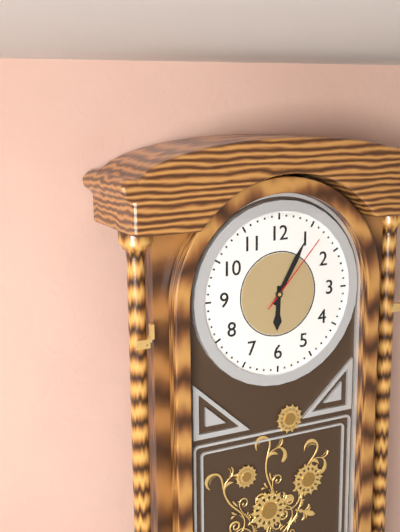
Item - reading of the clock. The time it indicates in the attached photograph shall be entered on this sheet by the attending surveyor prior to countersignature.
6:05:07
